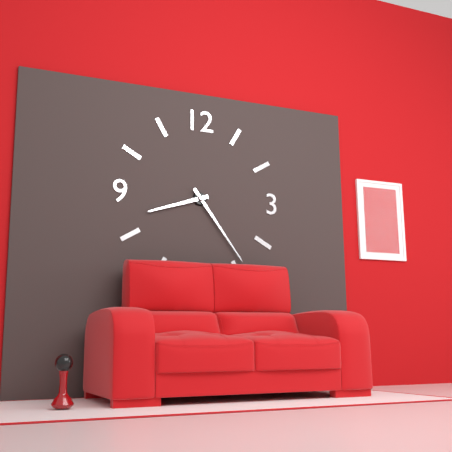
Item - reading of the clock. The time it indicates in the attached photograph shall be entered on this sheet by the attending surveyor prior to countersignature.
8:24
